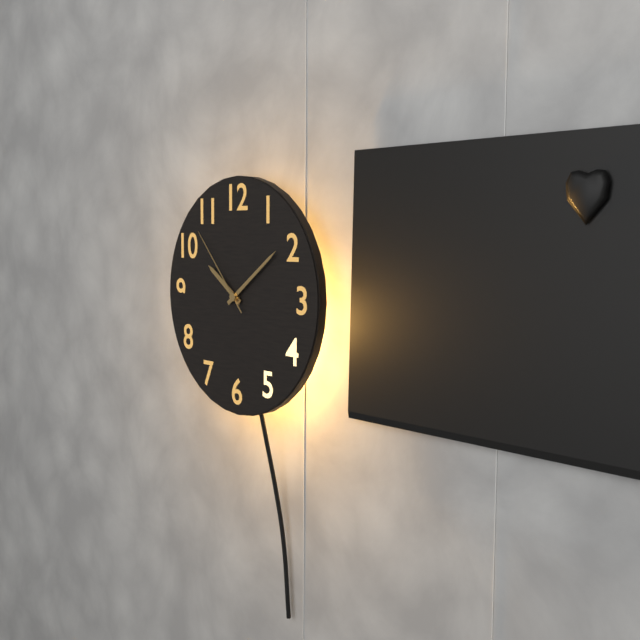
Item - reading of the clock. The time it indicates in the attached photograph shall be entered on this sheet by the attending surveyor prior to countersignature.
10:09:53
